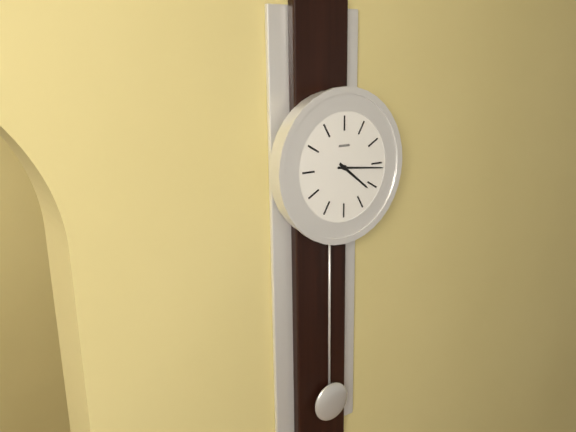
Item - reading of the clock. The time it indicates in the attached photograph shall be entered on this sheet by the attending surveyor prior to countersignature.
4:16
